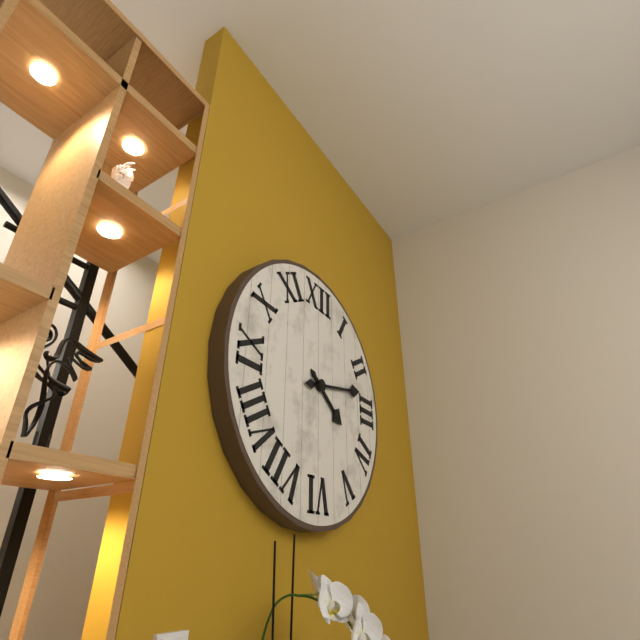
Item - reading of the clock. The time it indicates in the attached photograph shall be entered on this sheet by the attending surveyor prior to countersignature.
4:13
